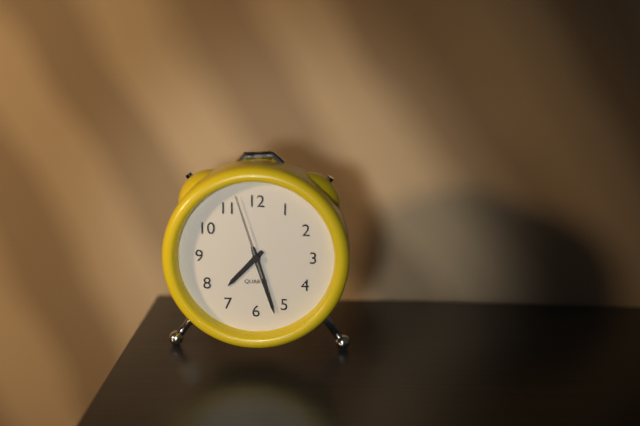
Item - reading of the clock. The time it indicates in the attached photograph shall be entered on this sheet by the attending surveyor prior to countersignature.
7:27:57
